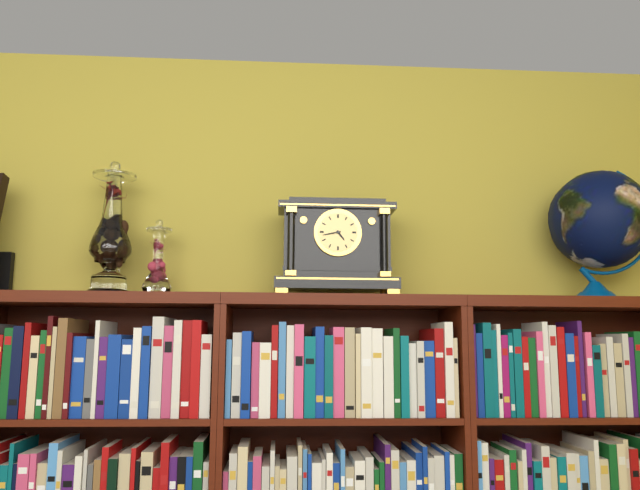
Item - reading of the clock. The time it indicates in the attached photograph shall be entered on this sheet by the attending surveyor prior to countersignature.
4:43
